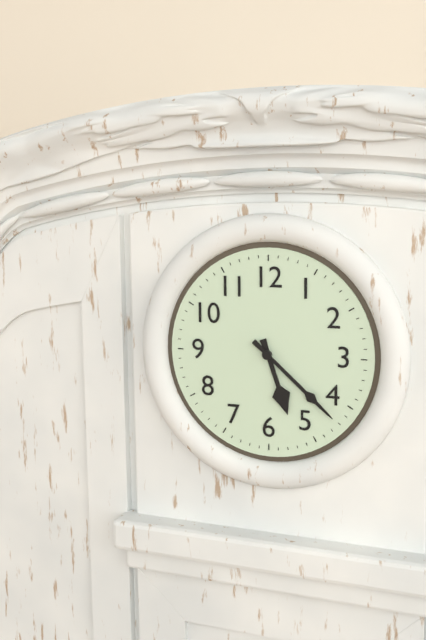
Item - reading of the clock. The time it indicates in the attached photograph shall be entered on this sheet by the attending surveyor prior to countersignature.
5:22
